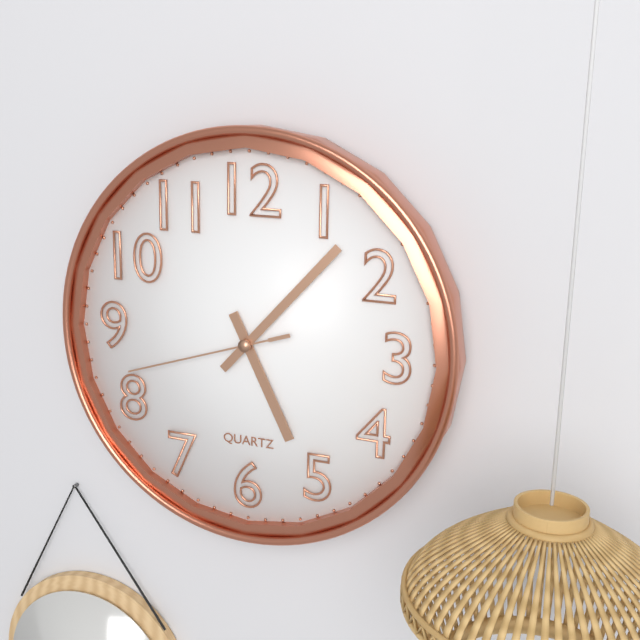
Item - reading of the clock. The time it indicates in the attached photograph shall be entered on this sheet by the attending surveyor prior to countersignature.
5:07:42
